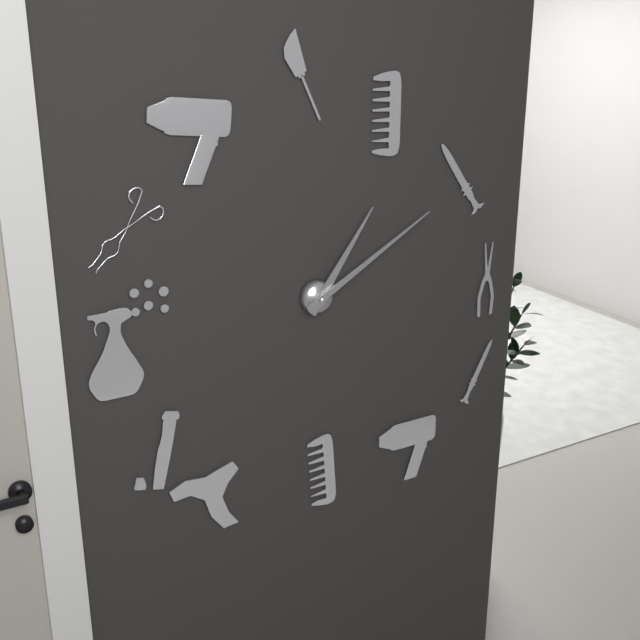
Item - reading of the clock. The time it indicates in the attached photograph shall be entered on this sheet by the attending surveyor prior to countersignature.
1:10
